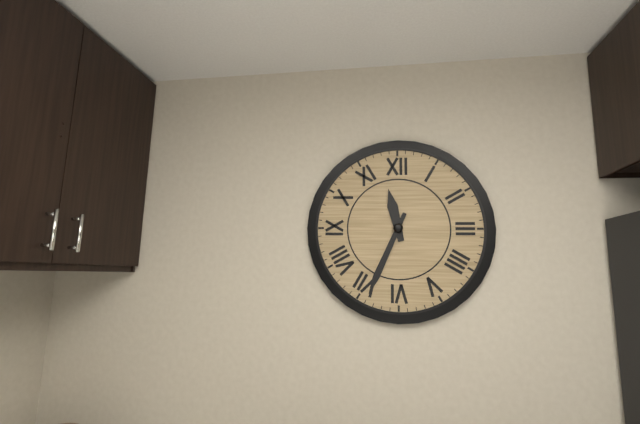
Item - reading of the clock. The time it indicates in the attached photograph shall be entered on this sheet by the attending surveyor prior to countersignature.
11:34
